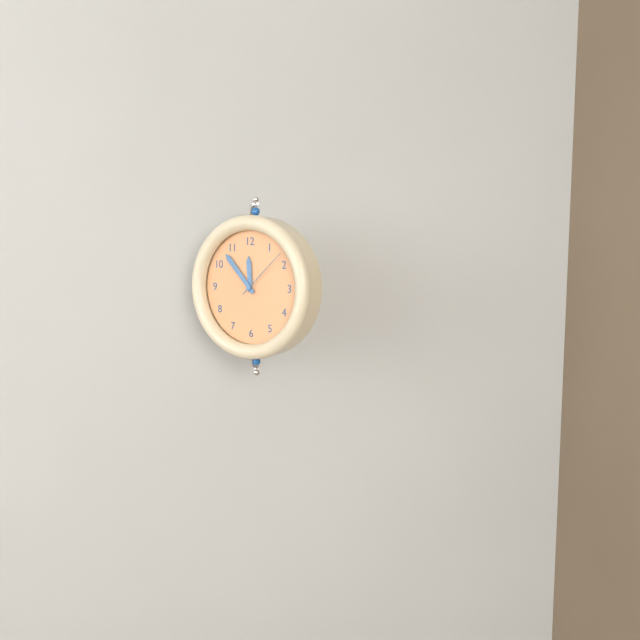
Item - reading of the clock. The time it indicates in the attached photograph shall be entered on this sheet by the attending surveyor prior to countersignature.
11:53:08
